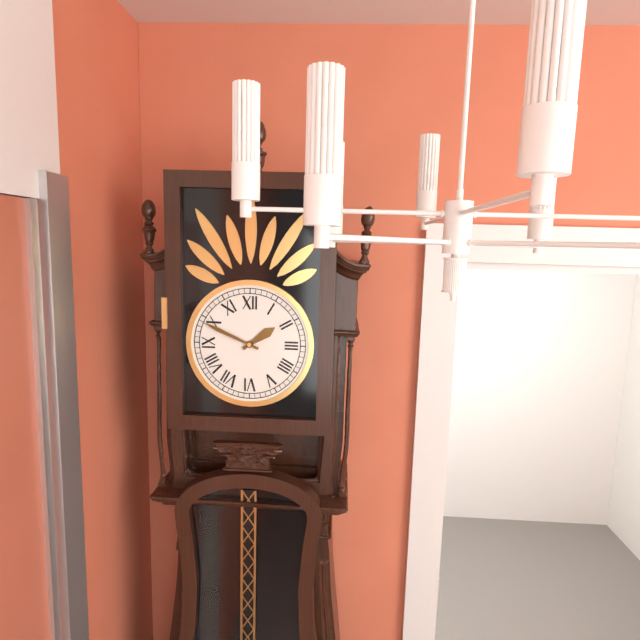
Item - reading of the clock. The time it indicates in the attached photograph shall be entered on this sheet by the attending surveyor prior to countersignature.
1:49
